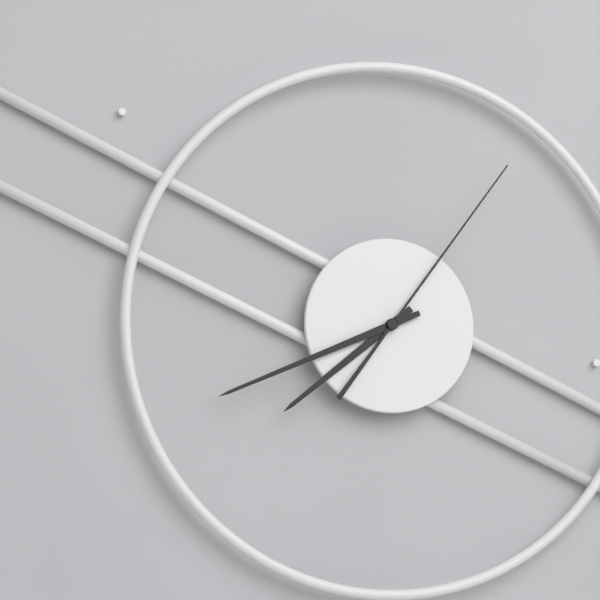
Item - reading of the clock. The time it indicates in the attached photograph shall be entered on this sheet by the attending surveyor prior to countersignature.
7:41:06
